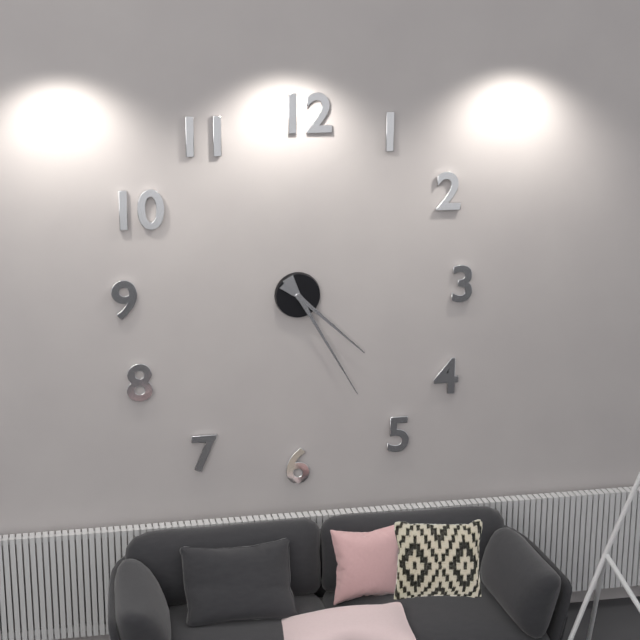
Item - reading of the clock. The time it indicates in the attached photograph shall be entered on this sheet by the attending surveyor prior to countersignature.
4:25
